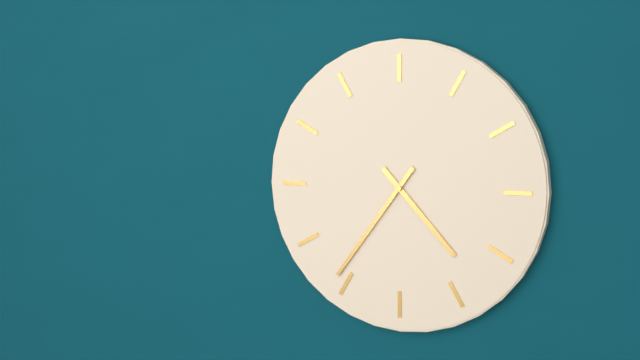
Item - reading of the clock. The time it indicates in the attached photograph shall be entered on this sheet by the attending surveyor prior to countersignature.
4:36
